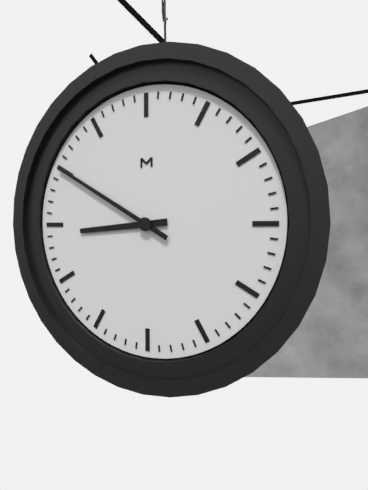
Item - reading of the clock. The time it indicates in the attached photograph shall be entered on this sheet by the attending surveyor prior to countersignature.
8:50
